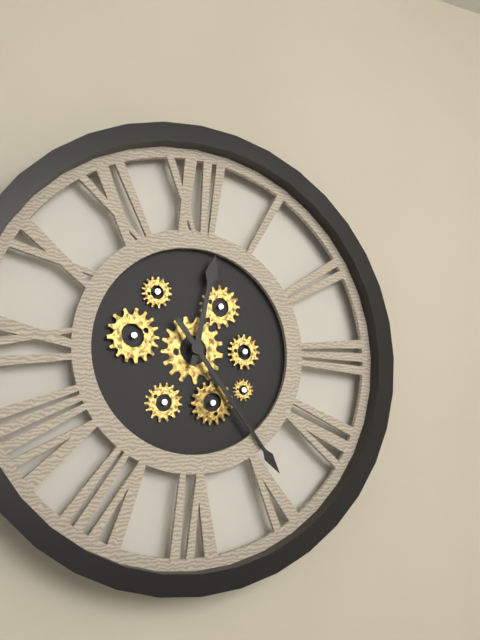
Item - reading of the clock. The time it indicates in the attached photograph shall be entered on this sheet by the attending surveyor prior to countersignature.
12:24
